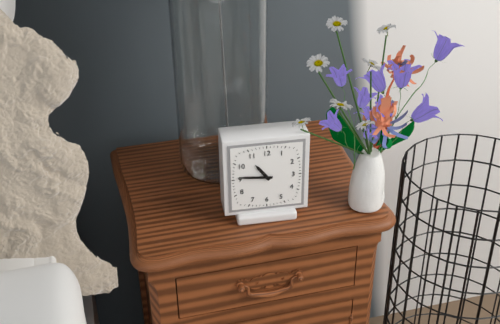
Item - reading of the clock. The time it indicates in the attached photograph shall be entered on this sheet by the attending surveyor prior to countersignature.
10:46
